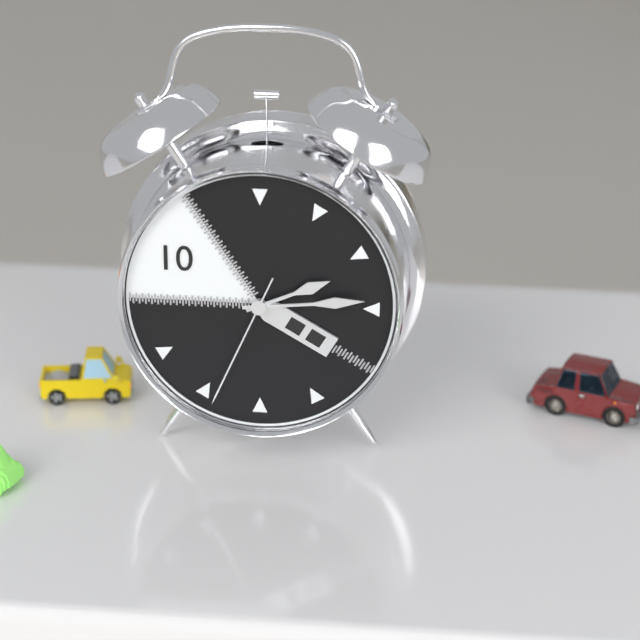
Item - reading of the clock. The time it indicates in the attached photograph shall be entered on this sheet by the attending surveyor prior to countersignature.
2:14:34
